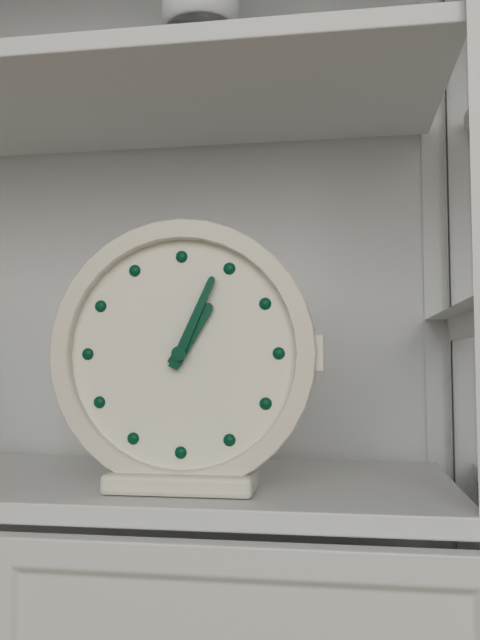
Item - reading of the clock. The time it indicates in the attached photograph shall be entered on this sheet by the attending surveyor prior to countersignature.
1:04
